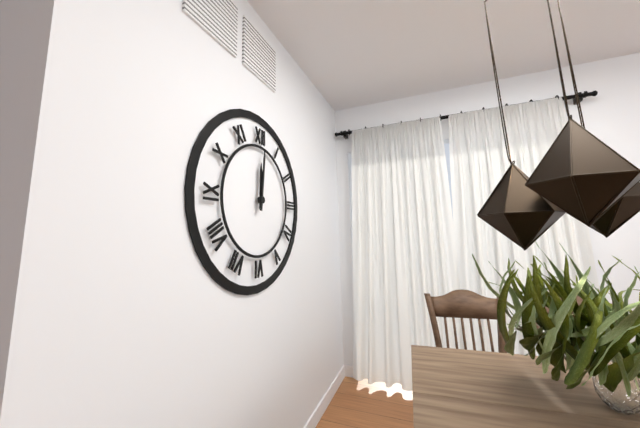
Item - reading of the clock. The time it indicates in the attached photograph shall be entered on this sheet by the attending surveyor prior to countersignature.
12:01
